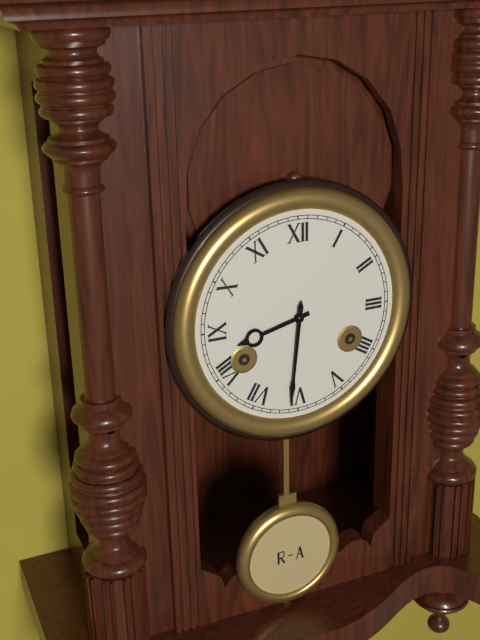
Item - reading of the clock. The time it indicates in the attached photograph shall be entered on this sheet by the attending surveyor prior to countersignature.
8:31
